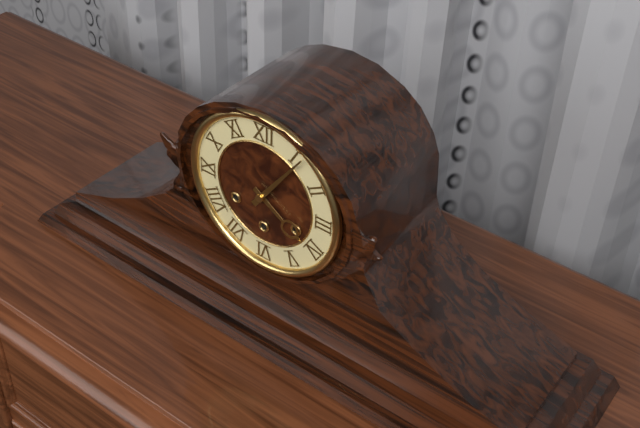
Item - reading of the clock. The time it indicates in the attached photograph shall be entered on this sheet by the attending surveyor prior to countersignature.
4:06
